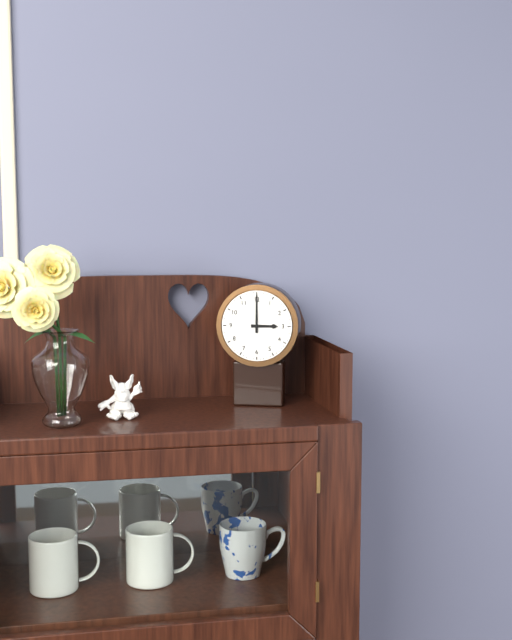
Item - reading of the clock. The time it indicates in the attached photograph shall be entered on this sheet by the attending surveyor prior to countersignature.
3:00
